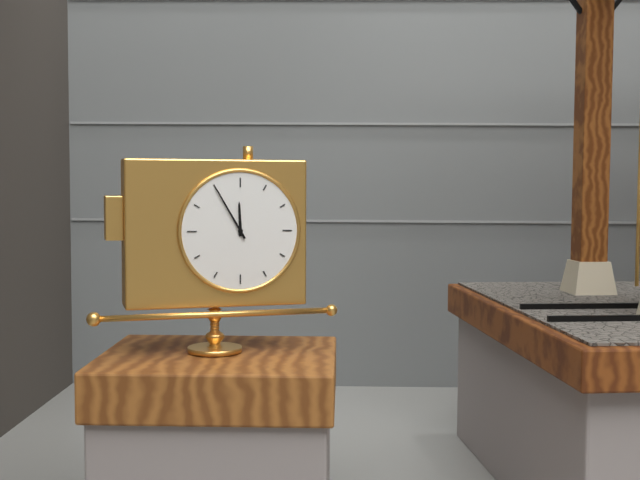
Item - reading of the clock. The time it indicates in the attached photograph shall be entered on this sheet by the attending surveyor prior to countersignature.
11:55
